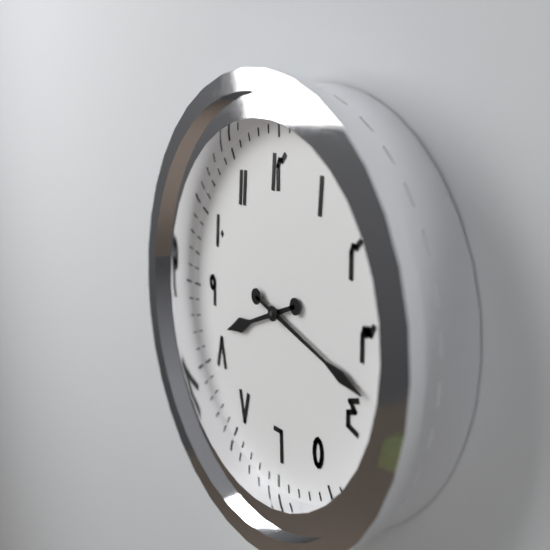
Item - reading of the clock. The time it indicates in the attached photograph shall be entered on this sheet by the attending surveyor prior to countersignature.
8:18
